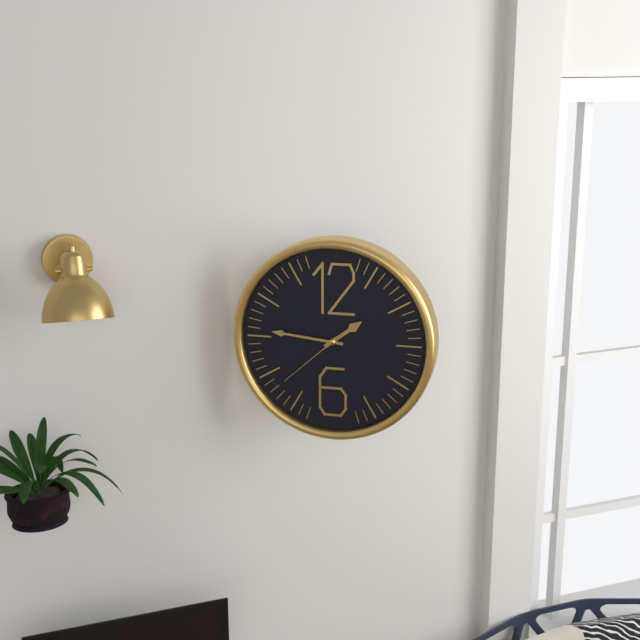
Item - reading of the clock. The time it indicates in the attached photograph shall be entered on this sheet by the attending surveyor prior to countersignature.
1:46:38
